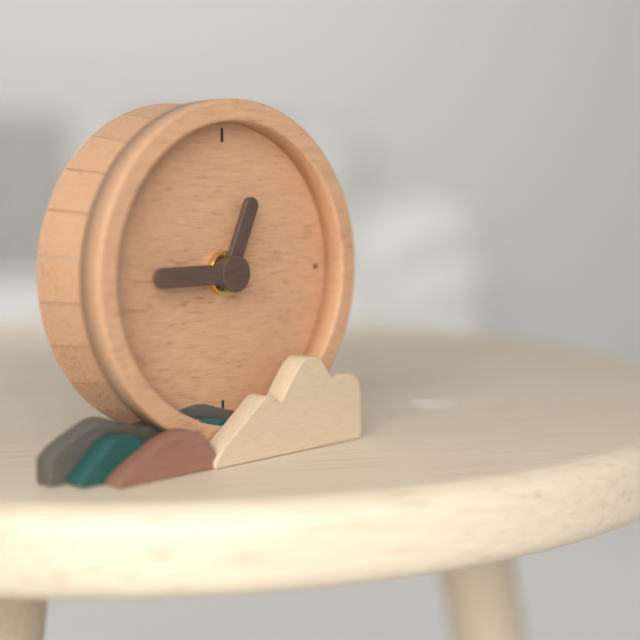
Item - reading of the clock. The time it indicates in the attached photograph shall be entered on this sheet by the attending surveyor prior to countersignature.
12:45
